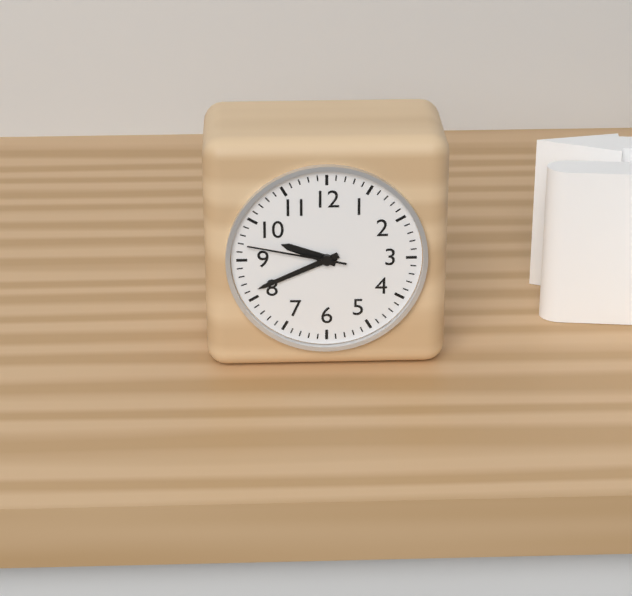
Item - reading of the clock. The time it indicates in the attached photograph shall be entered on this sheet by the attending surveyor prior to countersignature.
9:41:47
